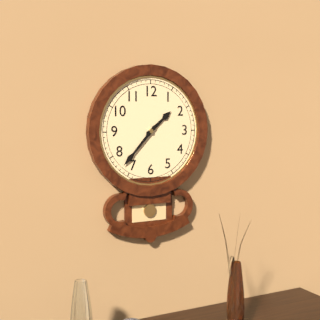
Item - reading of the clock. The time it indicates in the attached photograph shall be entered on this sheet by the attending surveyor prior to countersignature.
1:37
